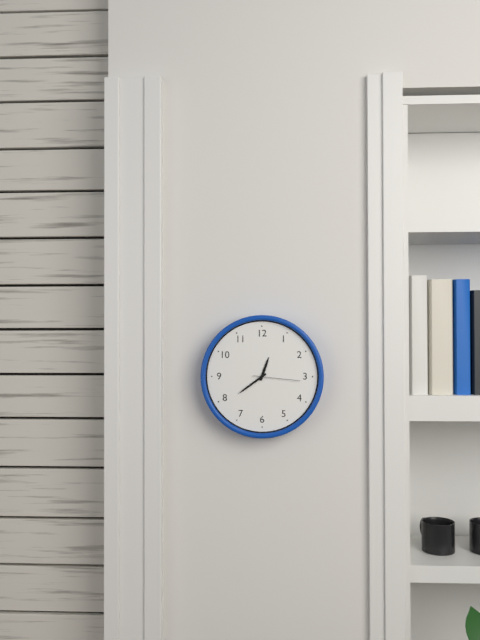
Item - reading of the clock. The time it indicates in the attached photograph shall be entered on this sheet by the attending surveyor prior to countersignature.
12:39
